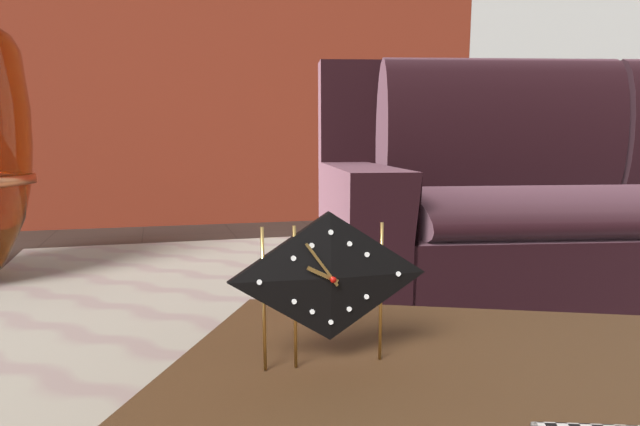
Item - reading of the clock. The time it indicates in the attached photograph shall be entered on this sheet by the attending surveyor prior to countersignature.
9:54
